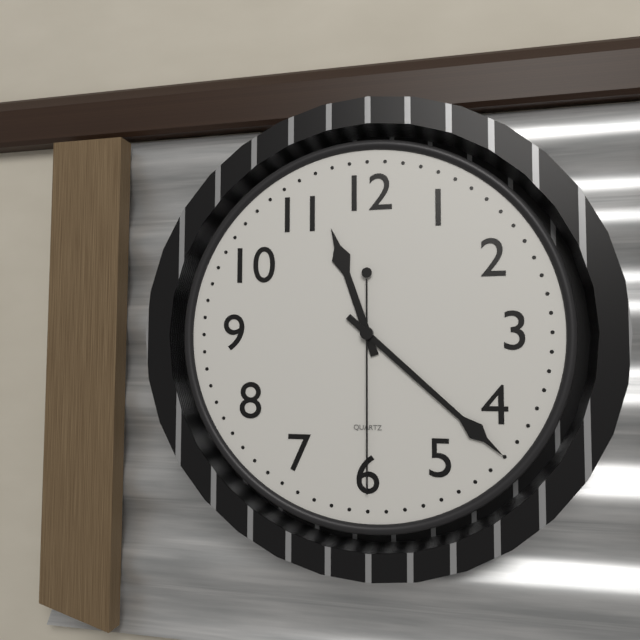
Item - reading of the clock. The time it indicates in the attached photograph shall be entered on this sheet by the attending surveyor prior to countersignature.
11:22:30
